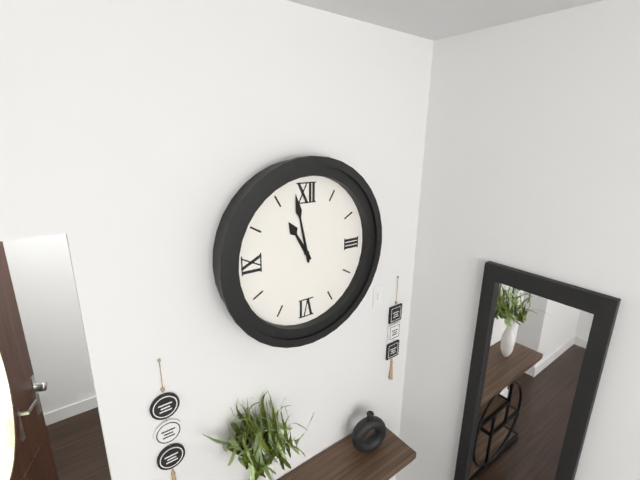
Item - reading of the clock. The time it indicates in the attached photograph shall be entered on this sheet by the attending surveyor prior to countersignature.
10:58
